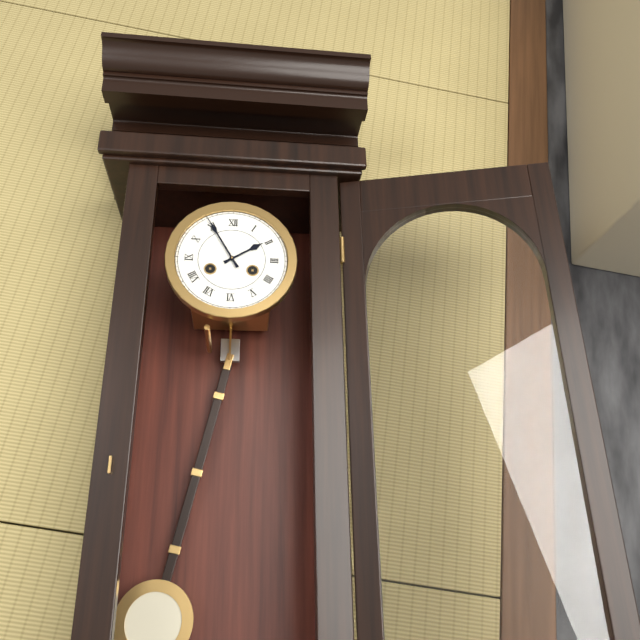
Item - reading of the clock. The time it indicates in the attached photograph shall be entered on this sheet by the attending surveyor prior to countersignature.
1:55
